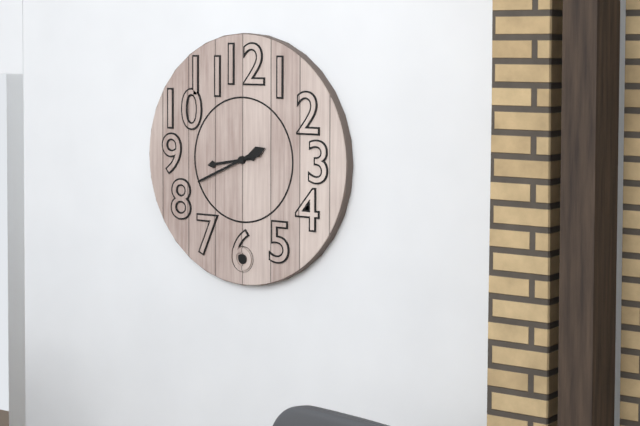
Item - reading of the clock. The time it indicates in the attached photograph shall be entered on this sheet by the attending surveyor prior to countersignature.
8:41
